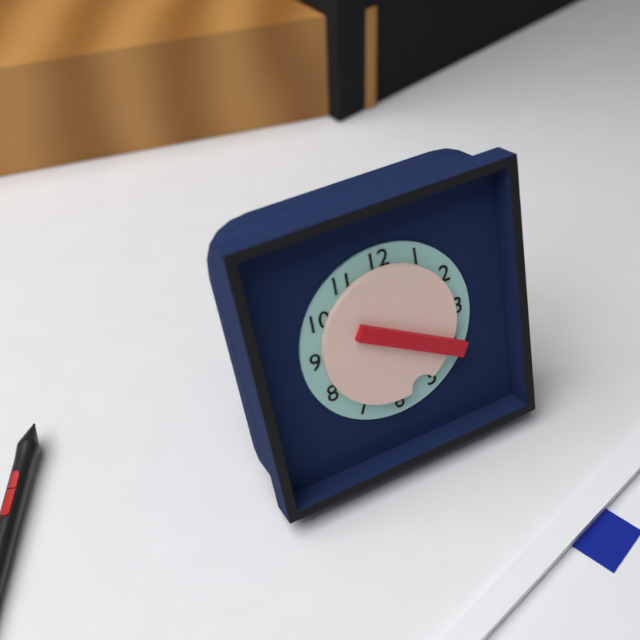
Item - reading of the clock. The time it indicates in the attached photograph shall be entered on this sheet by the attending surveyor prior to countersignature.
5:20
